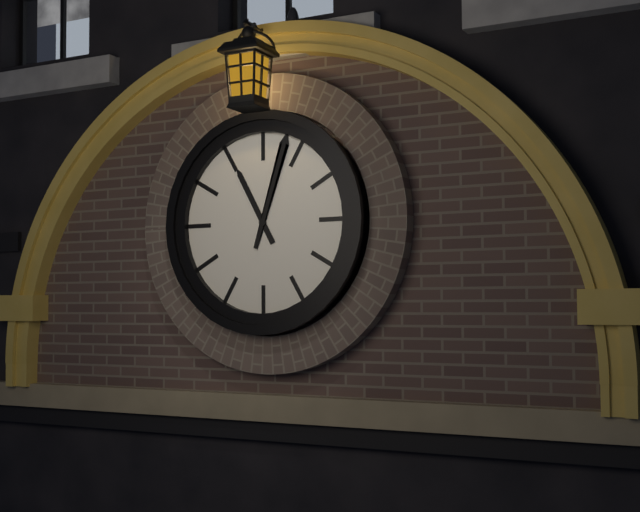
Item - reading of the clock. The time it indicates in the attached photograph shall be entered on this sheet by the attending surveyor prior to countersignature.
11:03
